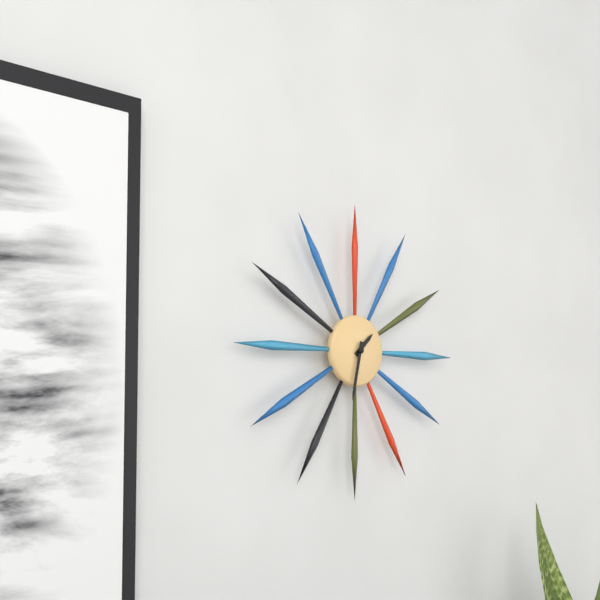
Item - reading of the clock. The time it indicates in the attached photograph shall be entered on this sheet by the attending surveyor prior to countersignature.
1:32
